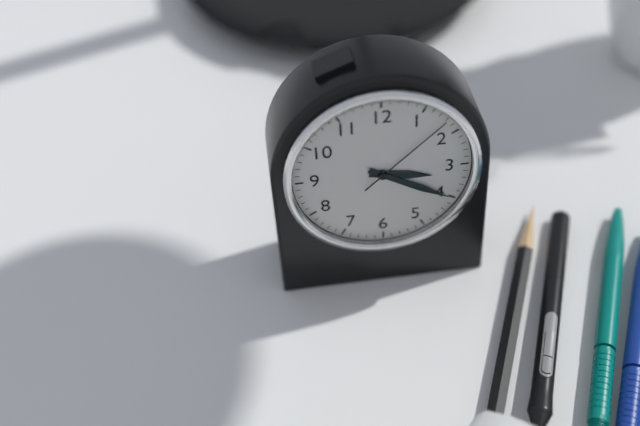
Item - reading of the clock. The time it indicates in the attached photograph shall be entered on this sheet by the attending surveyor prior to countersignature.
3:20:08
